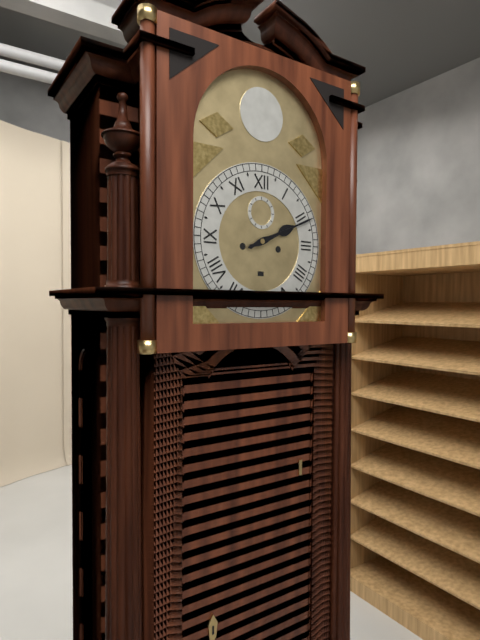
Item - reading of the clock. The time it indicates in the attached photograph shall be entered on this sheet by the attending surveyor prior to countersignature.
2:11
